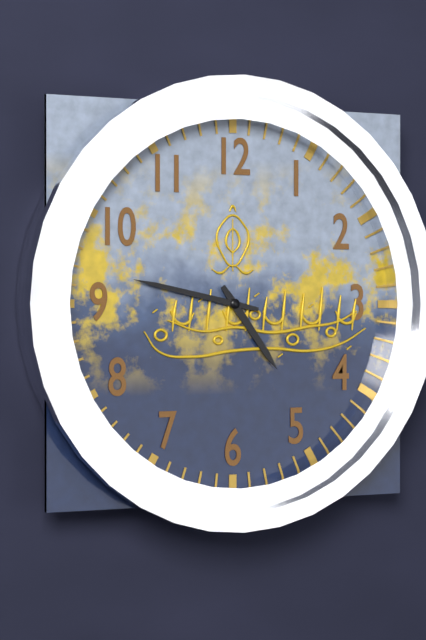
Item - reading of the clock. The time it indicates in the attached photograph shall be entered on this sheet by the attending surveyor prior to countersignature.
4:47
